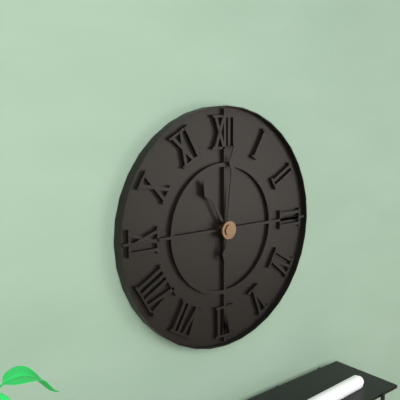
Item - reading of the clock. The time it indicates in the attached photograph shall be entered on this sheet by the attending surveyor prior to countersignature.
11:01
